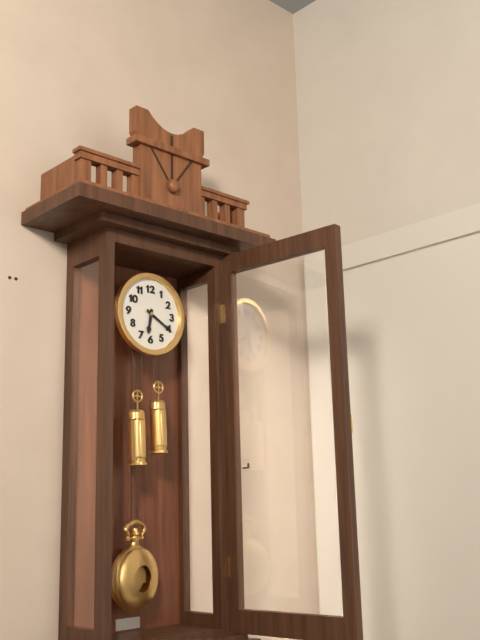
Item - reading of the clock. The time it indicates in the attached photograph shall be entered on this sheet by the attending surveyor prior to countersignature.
6:20
